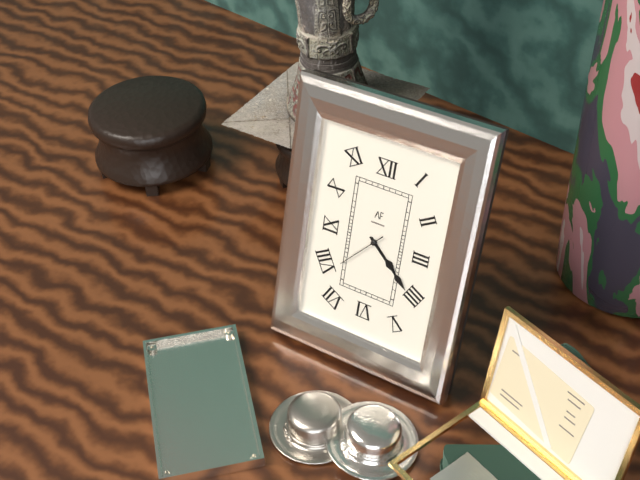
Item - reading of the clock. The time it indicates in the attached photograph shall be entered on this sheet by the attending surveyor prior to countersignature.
4:22
